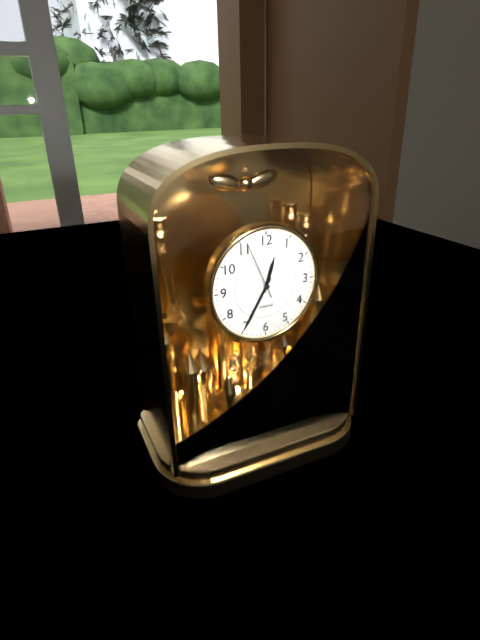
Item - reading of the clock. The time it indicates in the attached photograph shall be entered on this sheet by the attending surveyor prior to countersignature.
12:35:56
